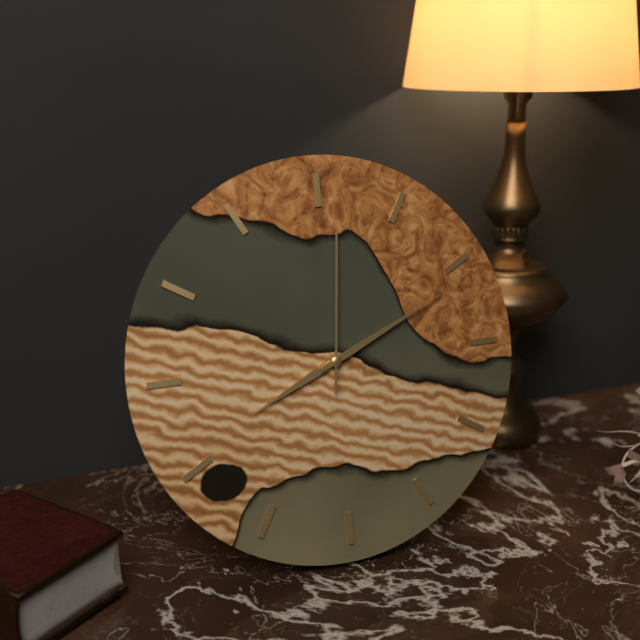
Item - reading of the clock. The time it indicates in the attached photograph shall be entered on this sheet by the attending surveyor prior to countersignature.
8:11:01
